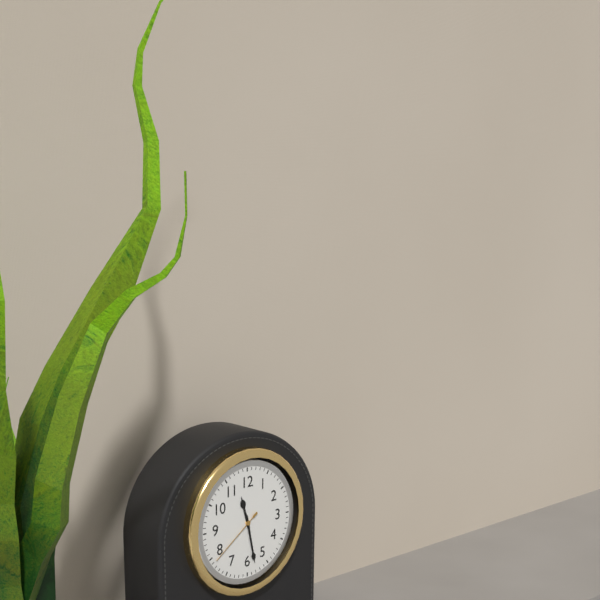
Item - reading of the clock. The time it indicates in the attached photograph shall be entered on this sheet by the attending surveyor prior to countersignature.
11:28:39
